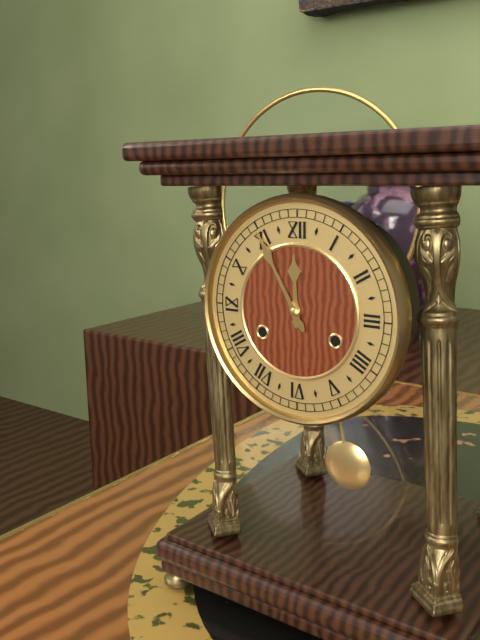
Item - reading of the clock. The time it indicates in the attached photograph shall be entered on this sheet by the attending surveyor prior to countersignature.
11:55
